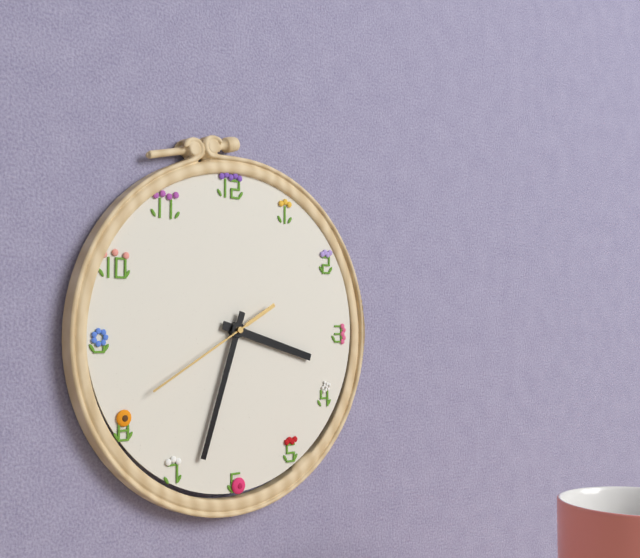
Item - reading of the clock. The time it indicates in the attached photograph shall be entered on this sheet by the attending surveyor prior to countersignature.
3:33:40
